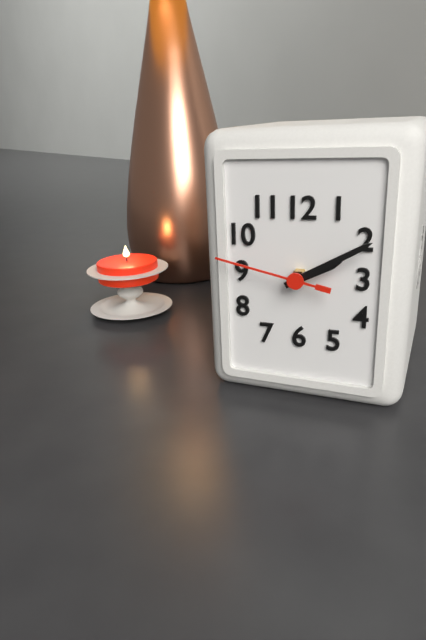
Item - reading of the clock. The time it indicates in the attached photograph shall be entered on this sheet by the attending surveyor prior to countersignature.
2:10:47
